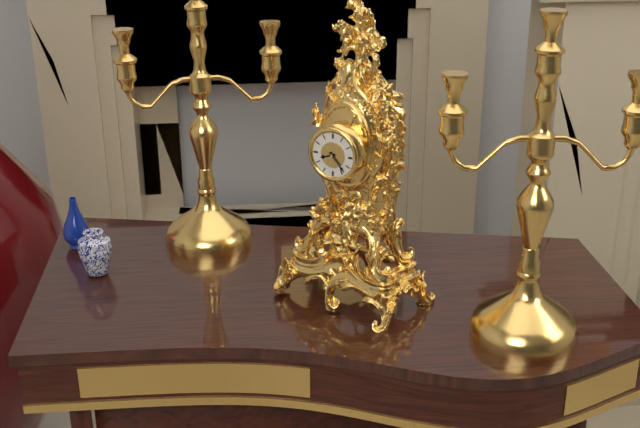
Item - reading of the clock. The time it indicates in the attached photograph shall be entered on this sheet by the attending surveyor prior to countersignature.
8:23
